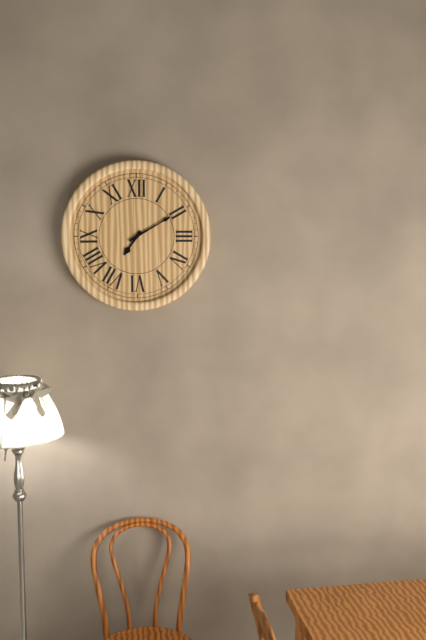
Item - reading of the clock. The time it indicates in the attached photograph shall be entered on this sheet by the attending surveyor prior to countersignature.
7:10
